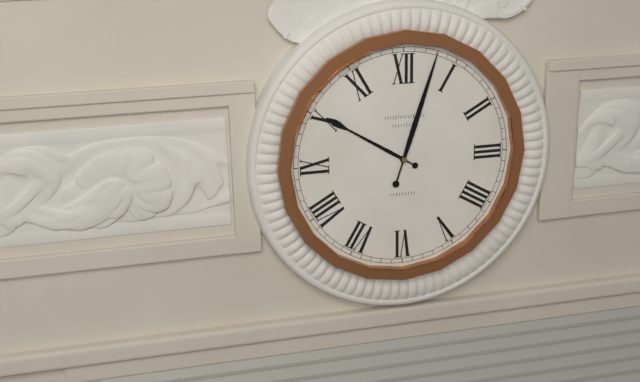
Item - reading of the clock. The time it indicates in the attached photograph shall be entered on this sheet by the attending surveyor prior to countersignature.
10:03
